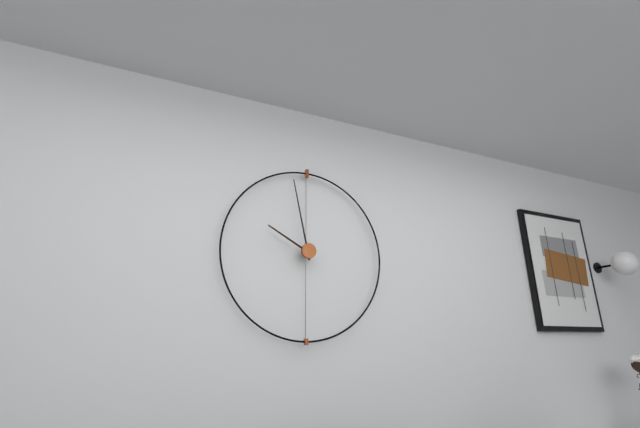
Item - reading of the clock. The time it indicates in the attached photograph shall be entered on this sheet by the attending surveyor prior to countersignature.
9:58
